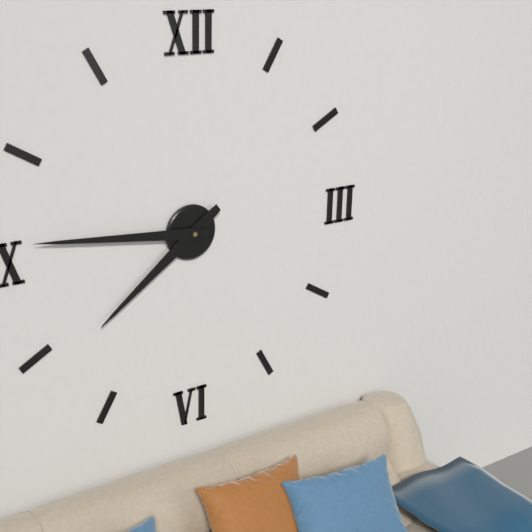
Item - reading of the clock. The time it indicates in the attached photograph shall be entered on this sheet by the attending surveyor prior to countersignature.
7:46
